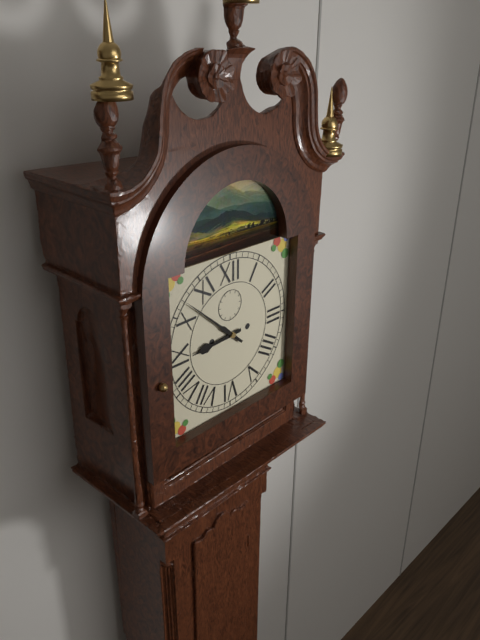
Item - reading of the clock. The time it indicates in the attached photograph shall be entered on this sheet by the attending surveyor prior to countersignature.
8:52
